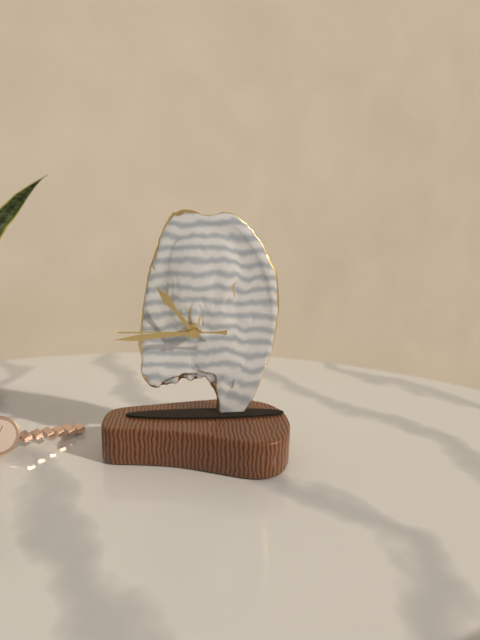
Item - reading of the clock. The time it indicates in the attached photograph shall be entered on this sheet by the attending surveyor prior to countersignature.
10:44:45
